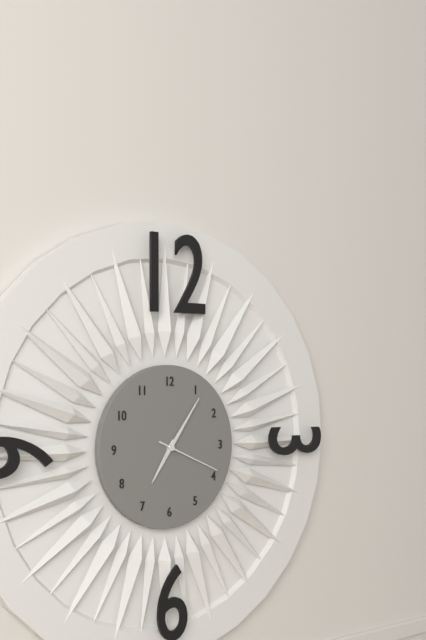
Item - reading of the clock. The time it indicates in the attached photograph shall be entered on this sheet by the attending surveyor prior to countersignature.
7:06:19
